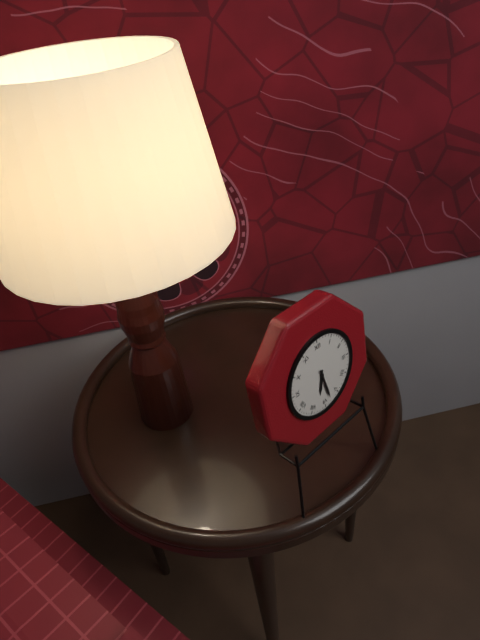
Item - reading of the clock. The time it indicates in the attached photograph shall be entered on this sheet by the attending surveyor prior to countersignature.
6:28
